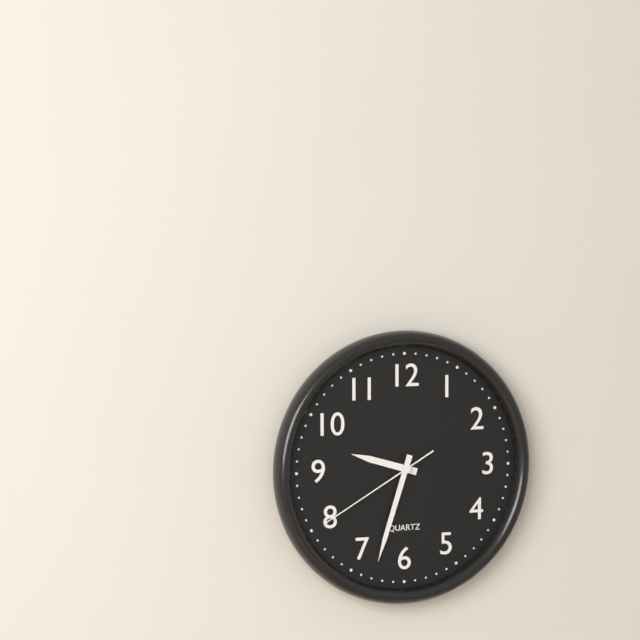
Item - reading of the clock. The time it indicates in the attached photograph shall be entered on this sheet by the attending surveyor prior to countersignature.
9:33:40
